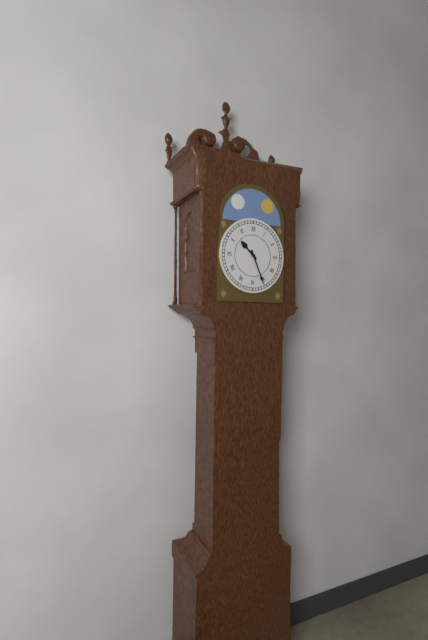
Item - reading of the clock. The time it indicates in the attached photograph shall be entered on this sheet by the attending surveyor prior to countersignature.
10:26
